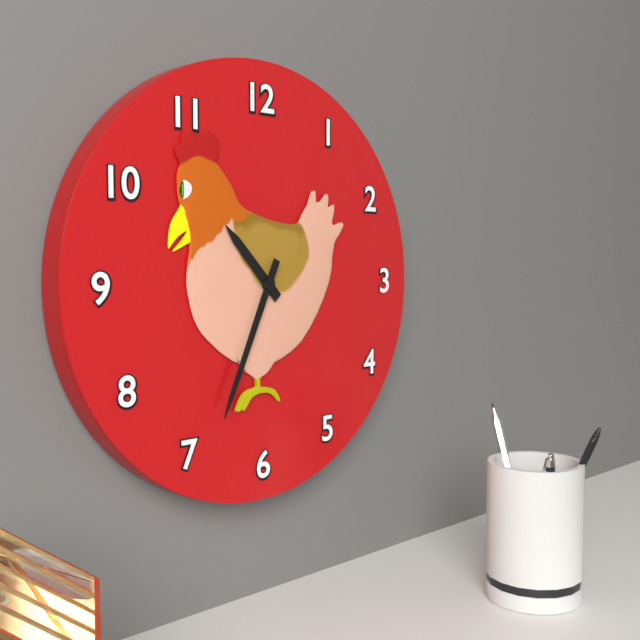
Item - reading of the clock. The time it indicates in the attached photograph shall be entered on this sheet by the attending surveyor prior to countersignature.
10:34
